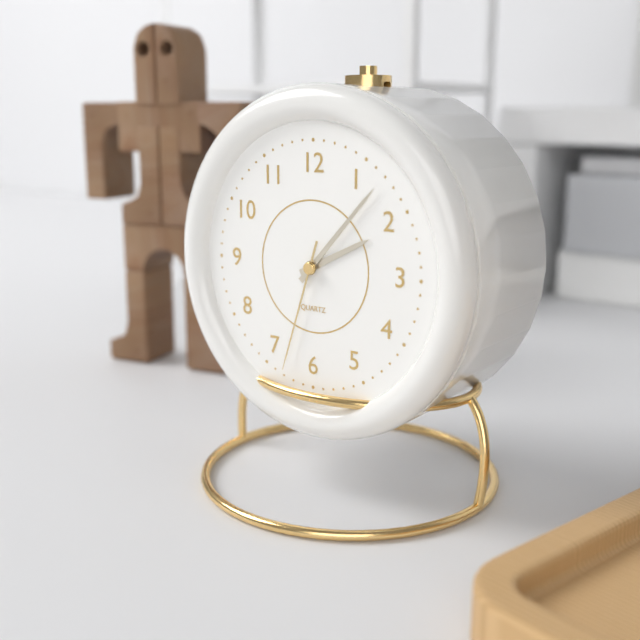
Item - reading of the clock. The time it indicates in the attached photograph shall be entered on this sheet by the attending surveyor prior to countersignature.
2:07:33
